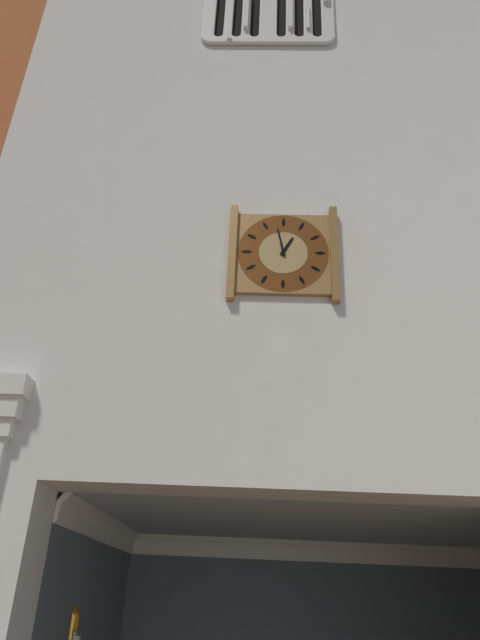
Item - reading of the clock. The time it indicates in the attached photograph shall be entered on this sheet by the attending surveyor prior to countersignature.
12:58
